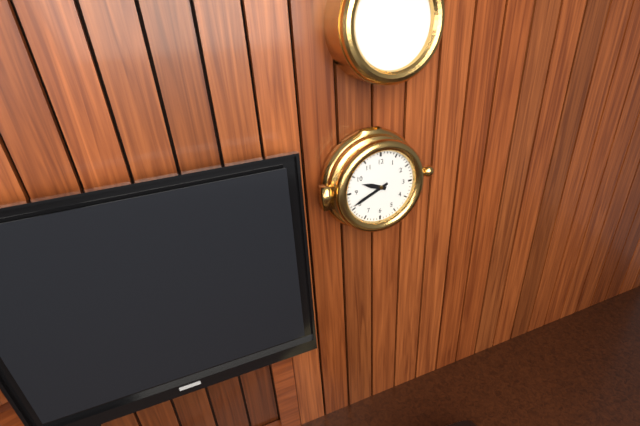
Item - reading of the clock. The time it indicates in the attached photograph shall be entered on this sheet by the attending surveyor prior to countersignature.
9:41
